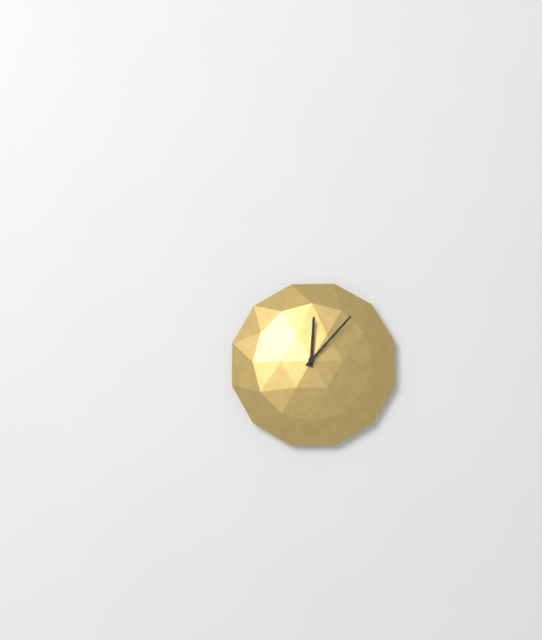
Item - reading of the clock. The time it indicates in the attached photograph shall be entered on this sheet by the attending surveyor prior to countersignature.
12:07
